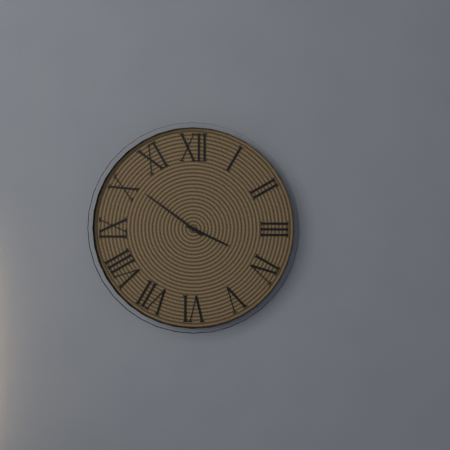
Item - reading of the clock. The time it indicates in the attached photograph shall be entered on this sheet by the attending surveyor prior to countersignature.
3:51
